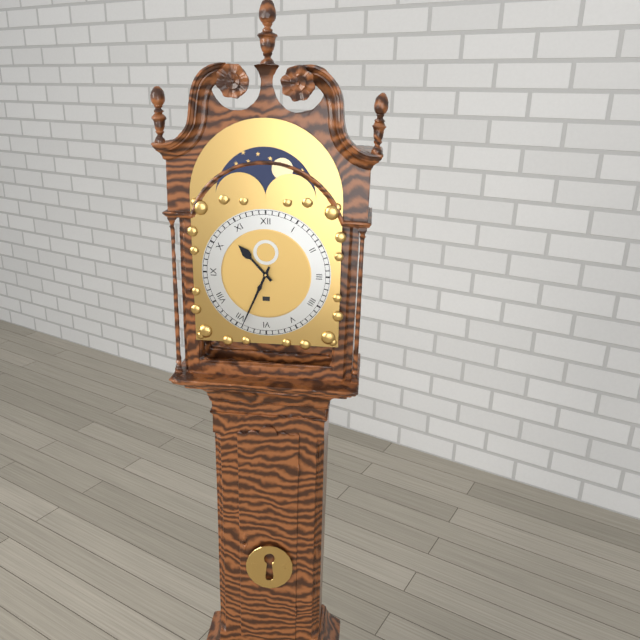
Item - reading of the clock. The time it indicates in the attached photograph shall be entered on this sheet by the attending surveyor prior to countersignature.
10:34
